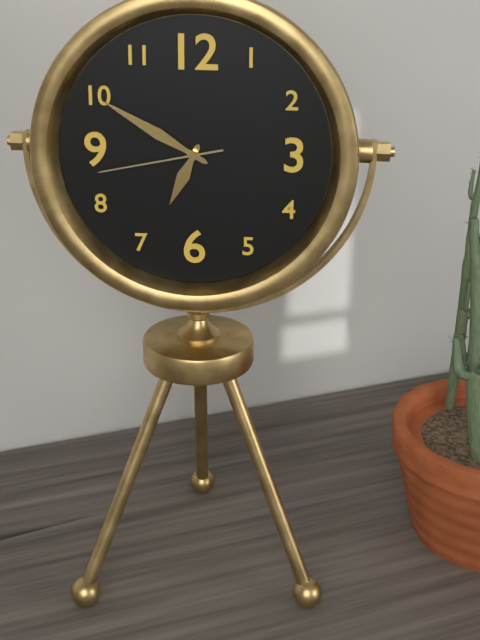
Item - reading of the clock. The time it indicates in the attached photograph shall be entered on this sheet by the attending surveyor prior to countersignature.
6:50:43
